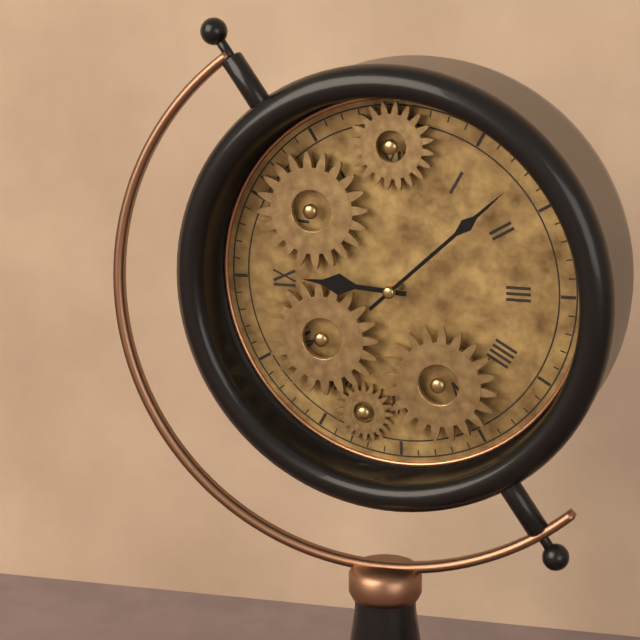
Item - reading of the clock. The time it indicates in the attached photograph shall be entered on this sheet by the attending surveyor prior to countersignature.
9:08
